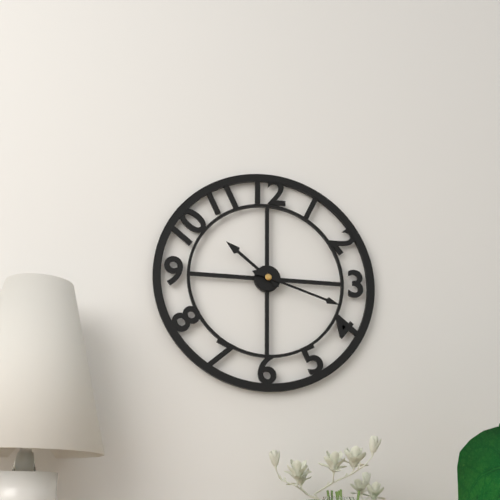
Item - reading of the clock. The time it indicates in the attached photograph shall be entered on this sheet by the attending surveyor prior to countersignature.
10:18
